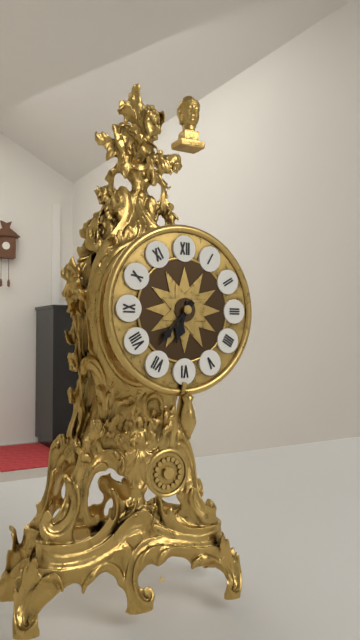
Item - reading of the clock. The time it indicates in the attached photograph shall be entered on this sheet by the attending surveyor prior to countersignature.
6:37
